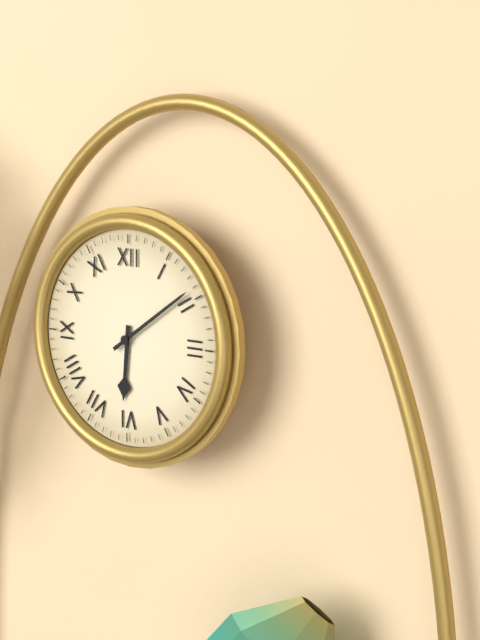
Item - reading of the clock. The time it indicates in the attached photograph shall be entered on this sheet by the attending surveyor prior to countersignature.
6:09
